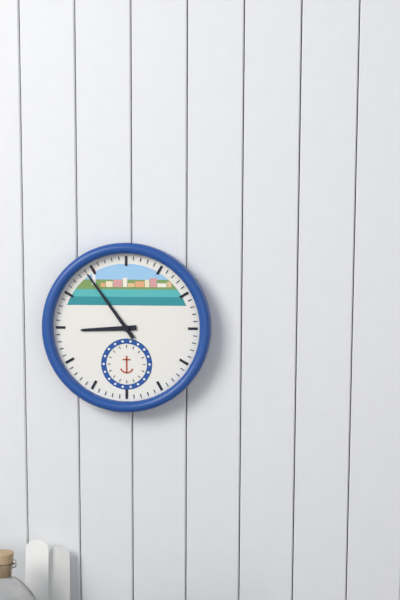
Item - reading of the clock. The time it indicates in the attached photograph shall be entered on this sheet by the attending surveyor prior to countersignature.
8:54
